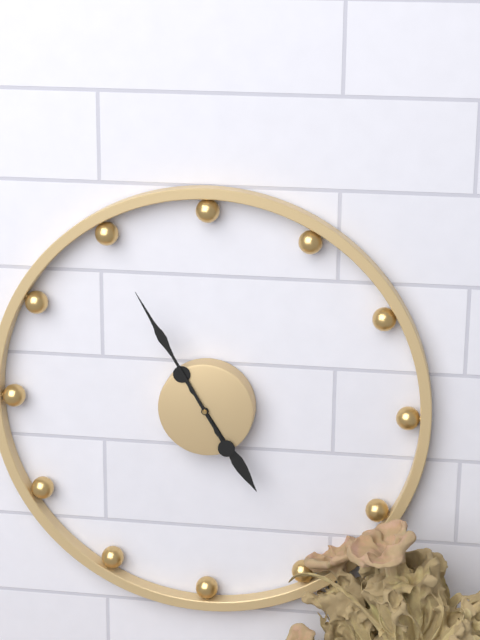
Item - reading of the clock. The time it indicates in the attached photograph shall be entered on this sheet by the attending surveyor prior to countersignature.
4:55
